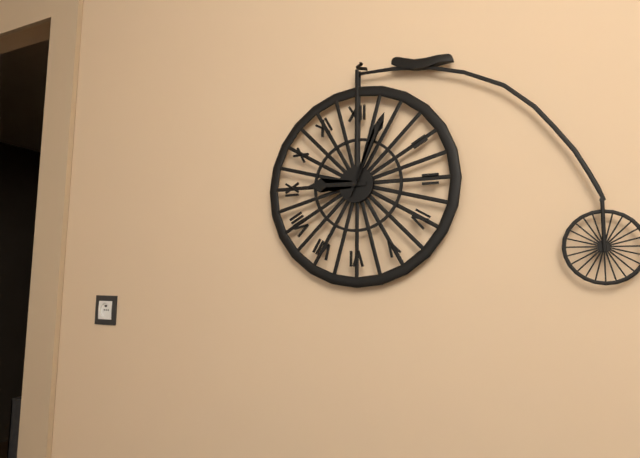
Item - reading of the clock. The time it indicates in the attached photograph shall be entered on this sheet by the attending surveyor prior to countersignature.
9:04
